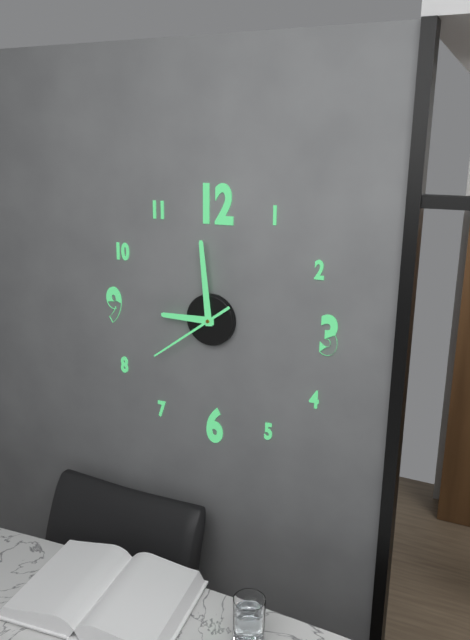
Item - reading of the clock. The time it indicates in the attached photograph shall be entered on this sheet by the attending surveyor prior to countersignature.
8:59:39
